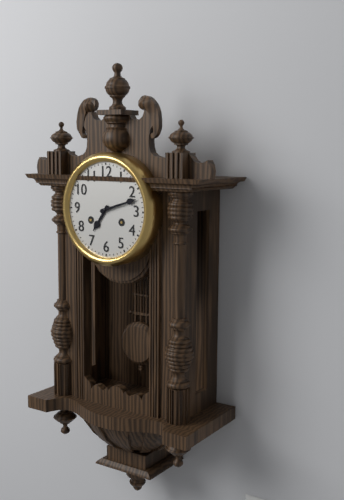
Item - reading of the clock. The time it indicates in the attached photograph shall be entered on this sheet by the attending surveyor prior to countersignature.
7:12
